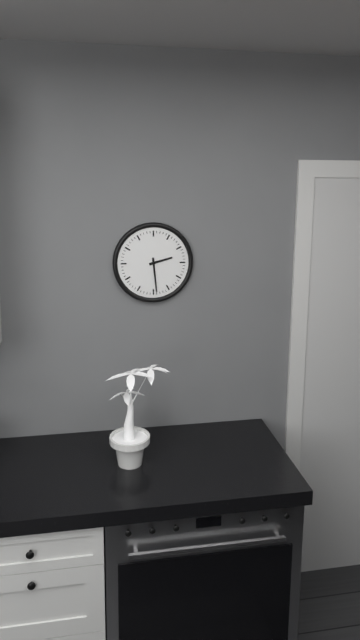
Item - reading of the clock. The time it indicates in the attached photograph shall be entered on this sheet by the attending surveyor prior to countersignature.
2:29
